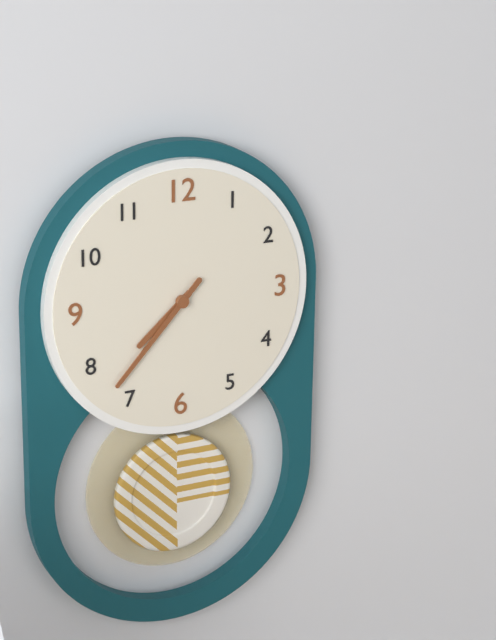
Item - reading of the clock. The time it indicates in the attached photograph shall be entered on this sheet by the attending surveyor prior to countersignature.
7:37
